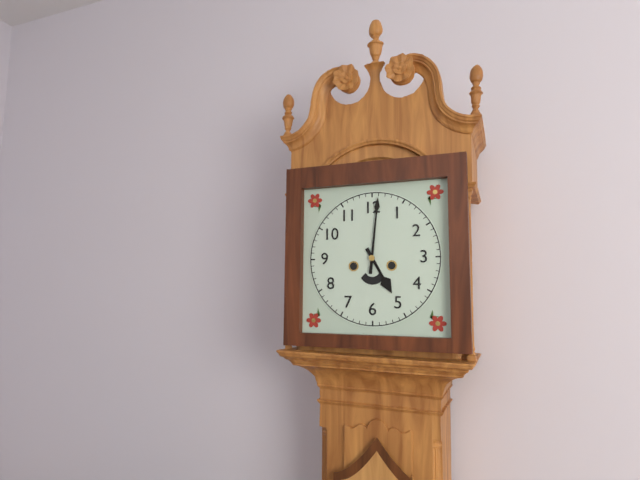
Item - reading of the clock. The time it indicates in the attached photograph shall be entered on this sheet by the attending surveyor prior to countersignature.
5:01
